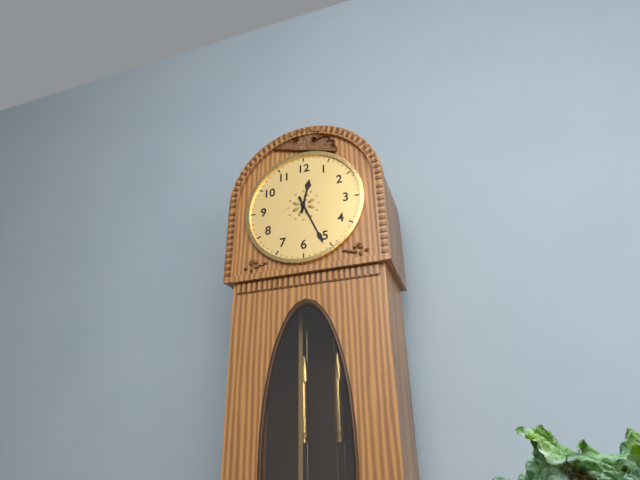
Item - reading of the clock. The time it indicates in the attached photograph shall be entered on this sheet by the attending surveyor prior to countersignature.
12:26
